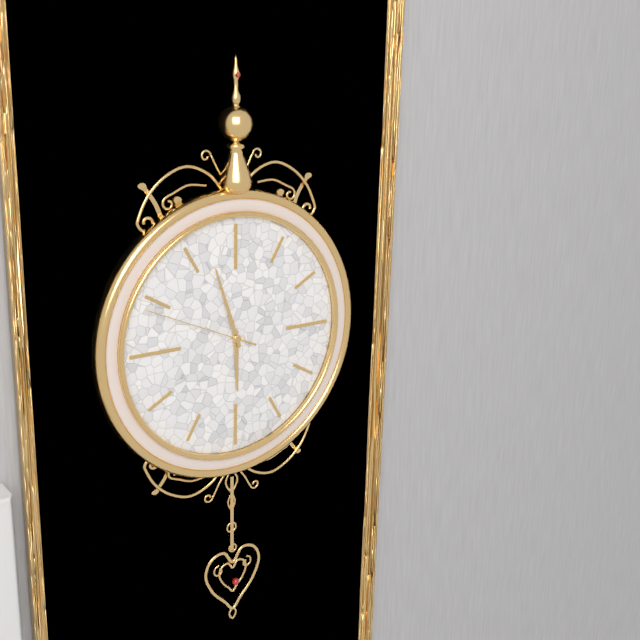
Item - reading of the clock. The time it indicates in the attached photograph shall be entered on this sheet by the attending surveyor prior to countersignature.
5:57:49
